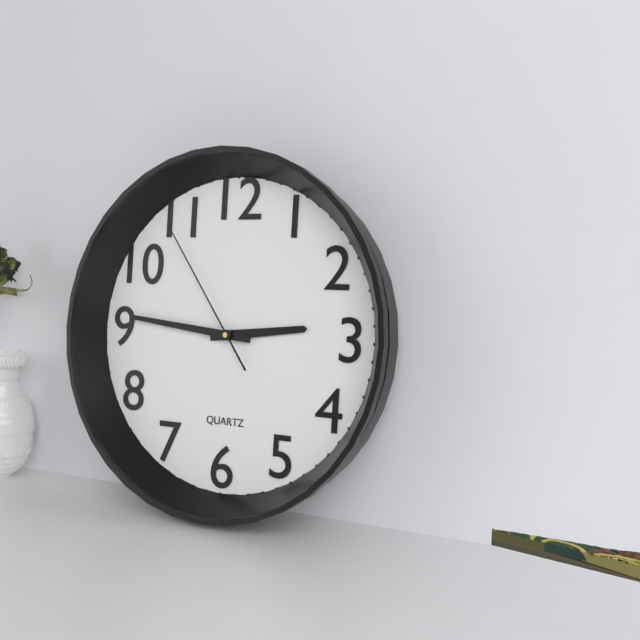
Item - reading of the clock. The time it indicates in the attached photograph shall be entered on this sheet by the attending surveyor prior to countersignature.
2:46:54
